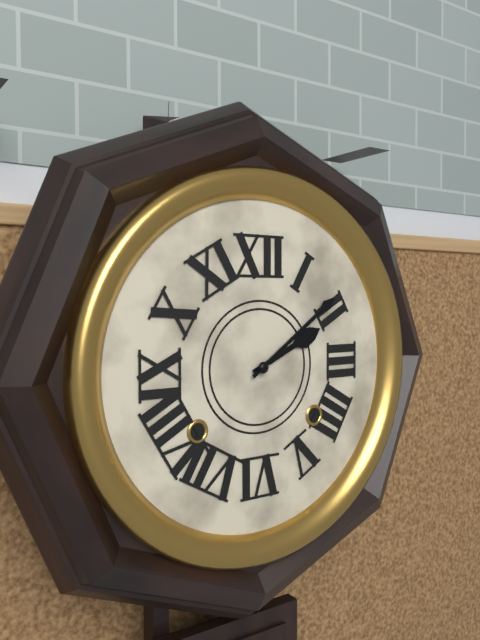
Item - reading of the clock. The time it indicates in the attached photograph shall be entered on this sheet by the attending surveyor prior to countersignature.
2:09
